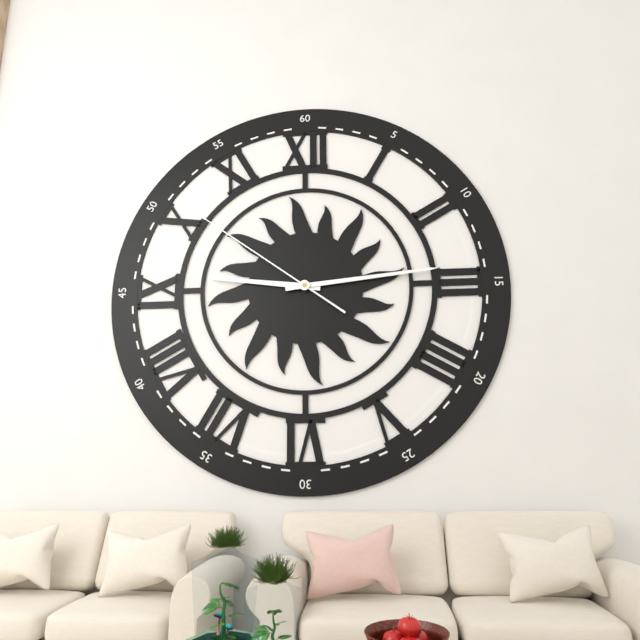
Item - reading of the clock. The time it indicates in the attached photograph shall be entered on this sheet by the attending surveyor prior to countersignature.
9:14:51
